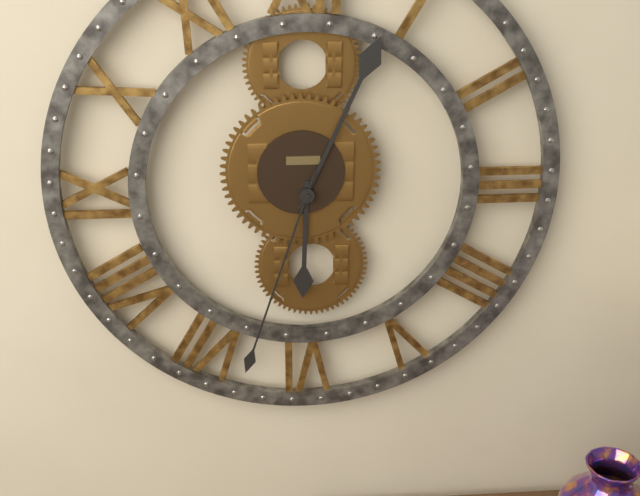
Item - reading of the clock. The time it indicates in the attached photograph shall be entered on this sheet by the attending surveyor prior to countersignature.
6:04:33
